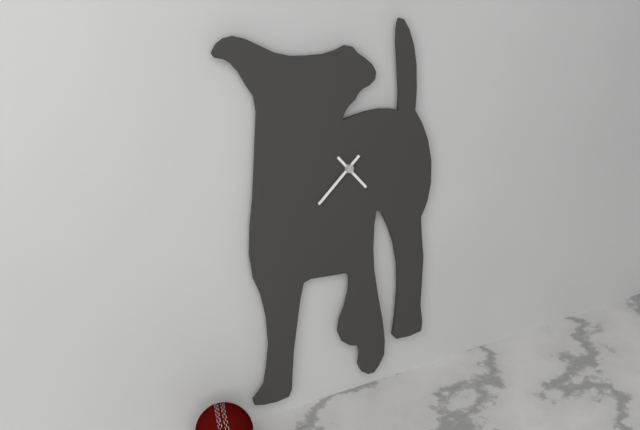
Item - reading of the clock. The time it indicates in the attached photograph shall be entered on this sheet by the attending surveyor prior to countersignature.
4:38
